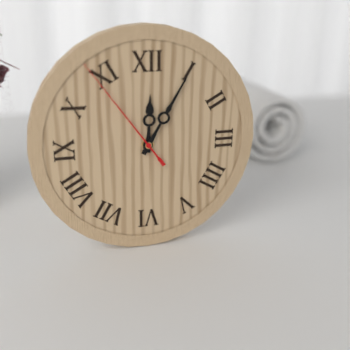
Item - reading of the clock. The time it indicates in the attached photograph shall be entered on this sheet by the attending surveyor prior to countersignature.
12:05:54
